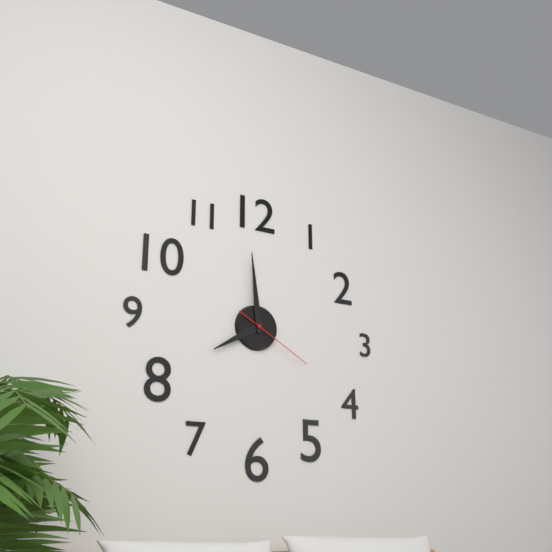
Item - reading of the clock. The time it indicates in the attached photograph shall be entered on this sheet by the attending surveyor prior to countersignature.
7:59:20
